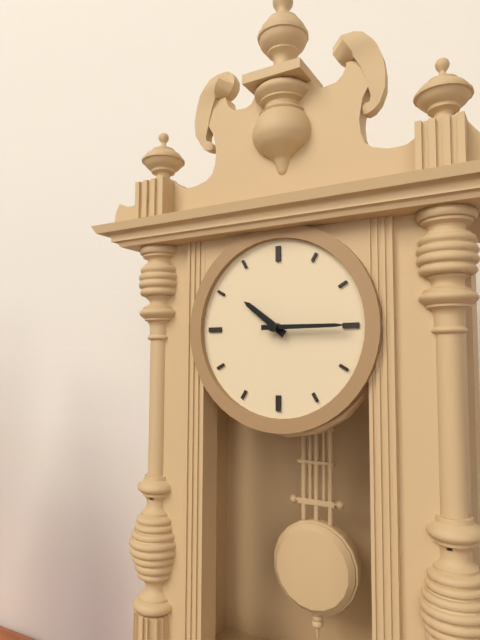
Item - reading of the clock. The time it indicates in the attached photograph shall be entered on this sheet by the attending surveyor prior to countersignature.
10:15
